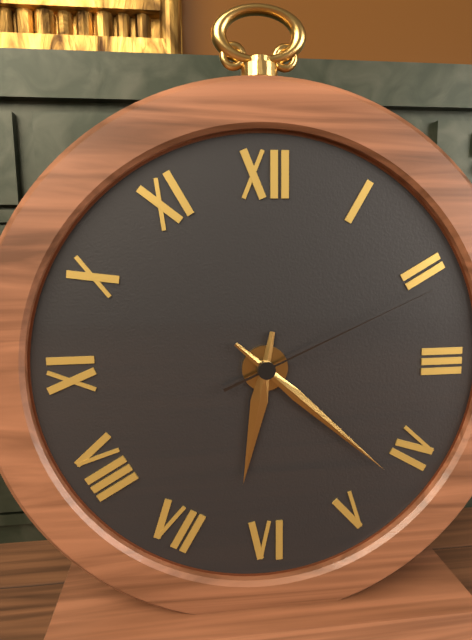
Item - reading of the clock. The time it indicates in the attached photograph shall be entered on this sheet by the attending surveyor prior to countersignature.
6:22:11
